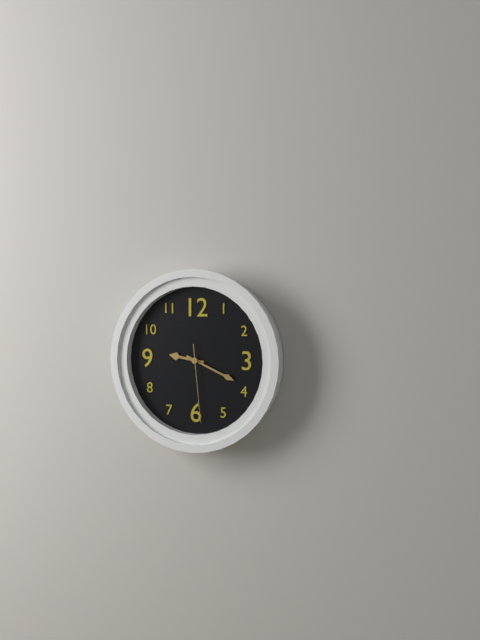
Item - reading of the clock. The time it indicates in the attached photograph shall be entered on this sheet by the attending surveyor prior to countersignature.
9:19:29
